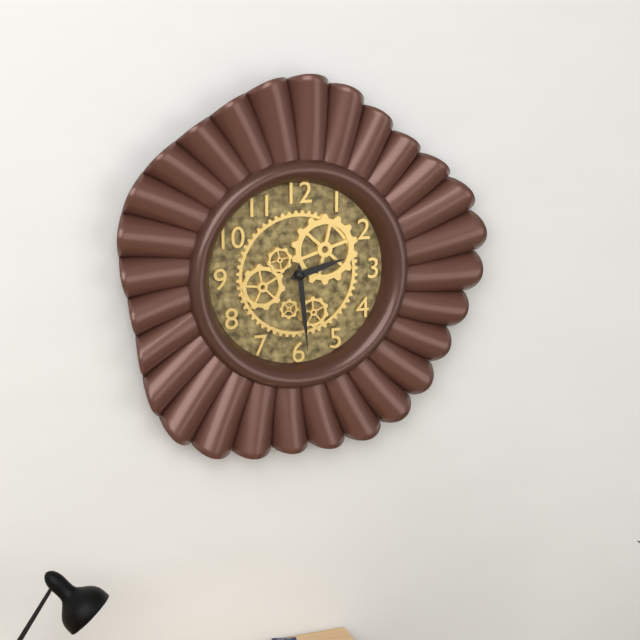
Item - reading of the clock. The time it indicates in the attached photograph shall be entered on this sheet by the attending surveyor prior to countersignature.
2:29
